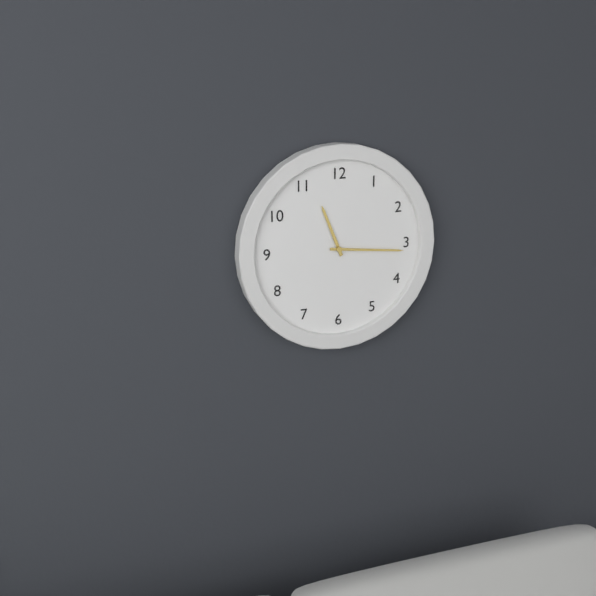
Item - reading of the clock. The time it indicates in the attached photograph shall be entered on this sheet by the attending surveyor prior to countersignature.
11:16
